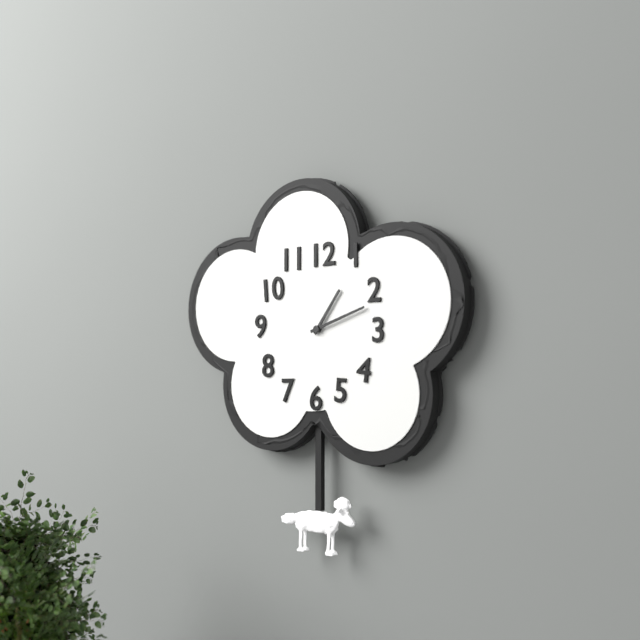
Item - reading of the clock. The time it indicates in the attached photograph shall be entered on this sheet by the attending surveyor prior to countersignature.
1:12
